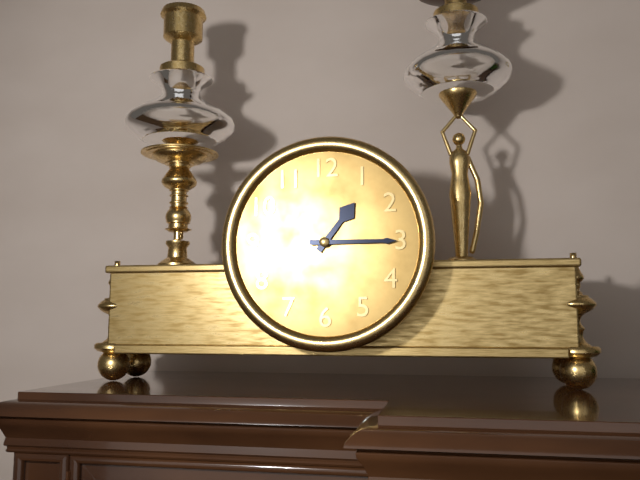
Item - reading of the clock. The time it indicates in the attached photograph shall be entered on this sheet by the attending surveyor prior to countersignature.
1:15
